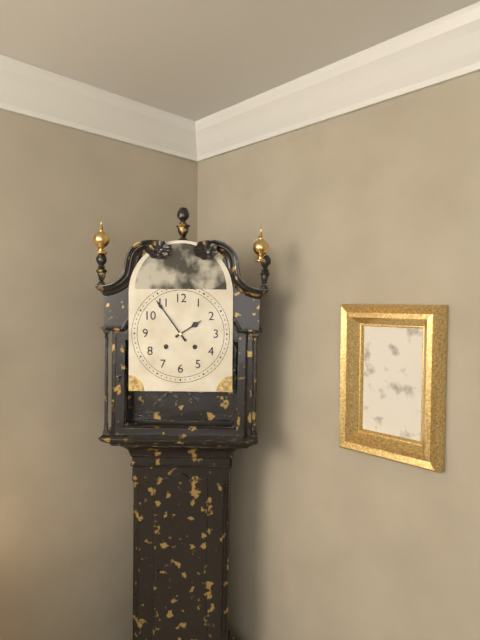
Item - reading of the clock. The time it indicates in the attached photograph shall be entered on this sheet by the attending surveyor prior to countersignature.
1:54
